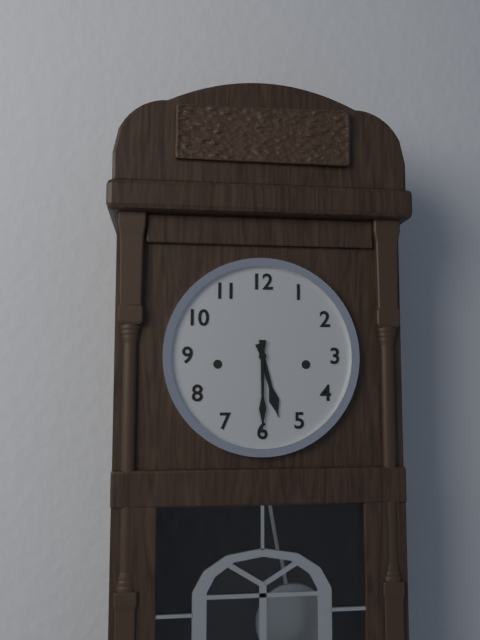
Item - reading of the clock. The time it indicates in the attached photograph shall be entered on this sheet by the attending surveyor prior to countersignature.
5:30
